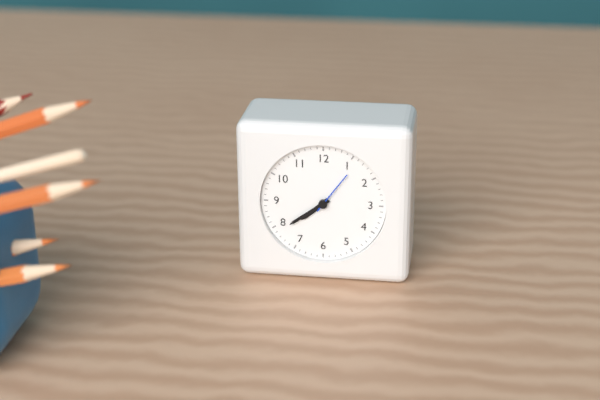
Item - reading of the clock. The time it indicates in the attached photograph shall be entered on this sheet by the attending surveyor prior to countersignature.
7:39
